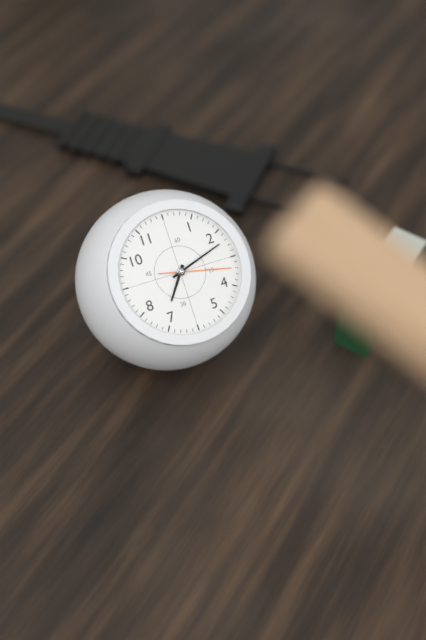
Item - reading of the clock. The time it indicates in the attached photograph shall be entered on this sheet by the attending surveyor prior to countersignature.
7:12:17
